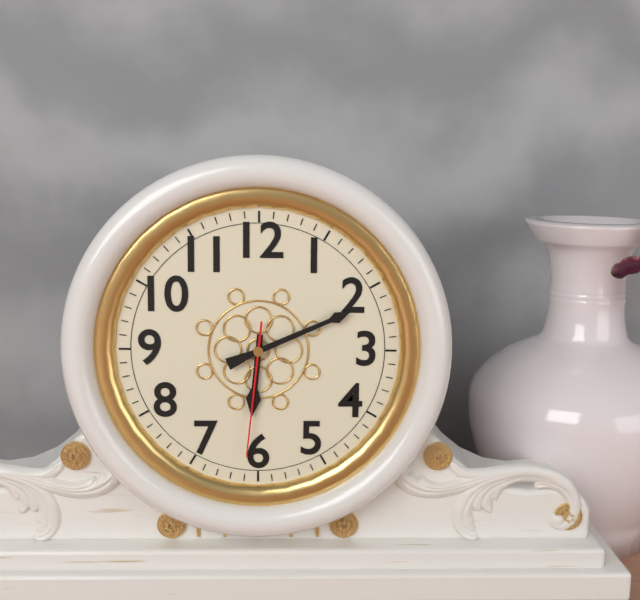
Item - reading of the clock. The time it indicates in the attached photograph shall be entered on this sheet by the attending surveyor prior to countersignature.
6:11:31
